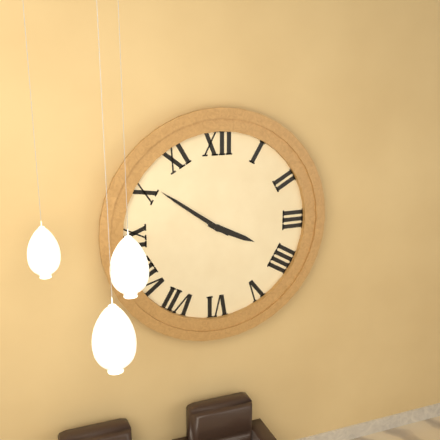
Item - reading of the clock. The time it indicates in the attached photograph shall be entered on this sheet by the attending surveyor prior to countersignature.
3:51
